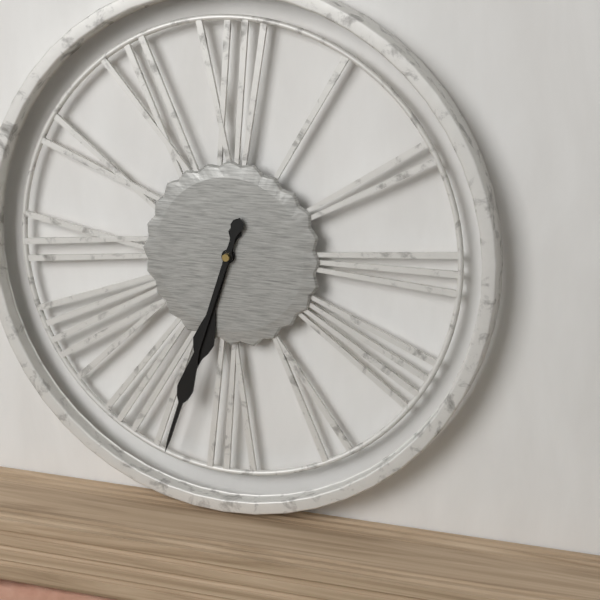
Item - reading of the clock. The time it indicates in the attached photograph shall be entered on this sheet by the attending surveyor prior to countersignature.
6:33
